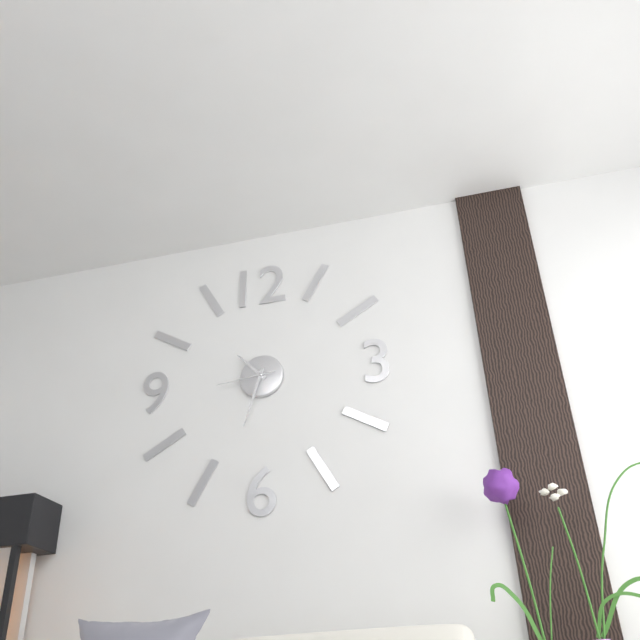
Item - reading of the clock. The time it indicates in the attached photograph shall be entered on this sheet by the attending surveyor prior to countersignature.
10:33:44
